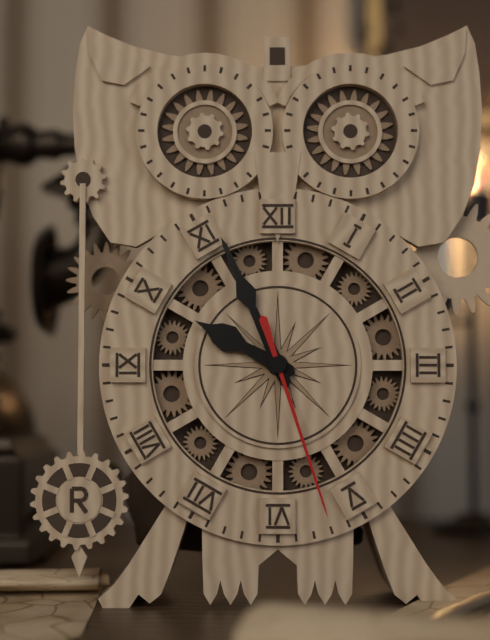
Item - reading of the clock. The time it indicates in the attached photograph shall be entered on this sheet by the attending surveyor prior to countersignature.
9:56:27
